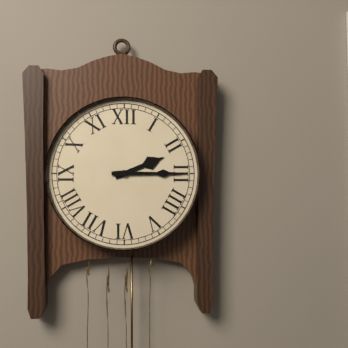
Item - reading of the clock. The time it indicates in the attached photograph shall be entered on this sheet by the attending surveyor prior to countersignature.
2:15
